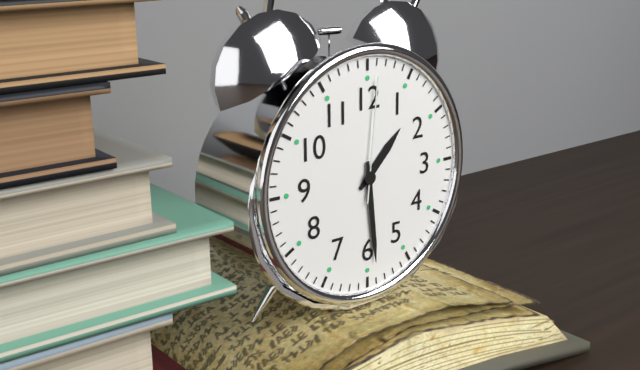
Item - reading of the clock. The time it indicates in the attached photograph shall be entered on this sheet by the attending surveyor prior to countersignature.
1:29:01
